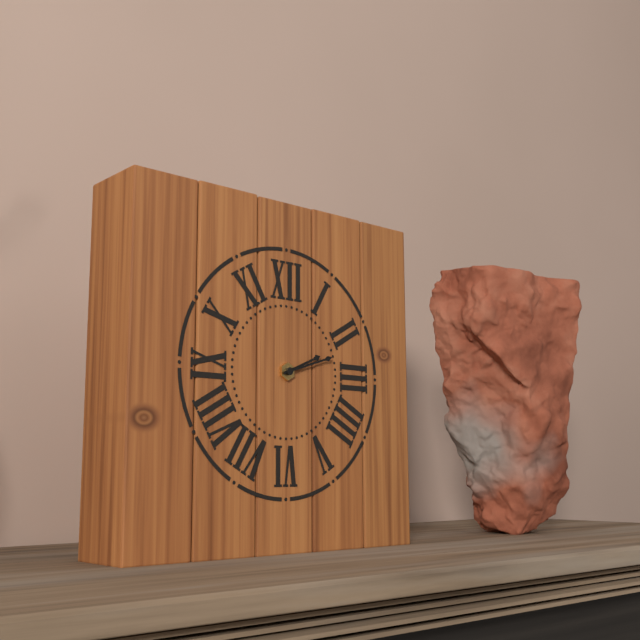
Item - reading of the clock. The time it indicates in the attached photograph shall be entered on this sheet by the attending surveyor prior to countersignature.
2:12
